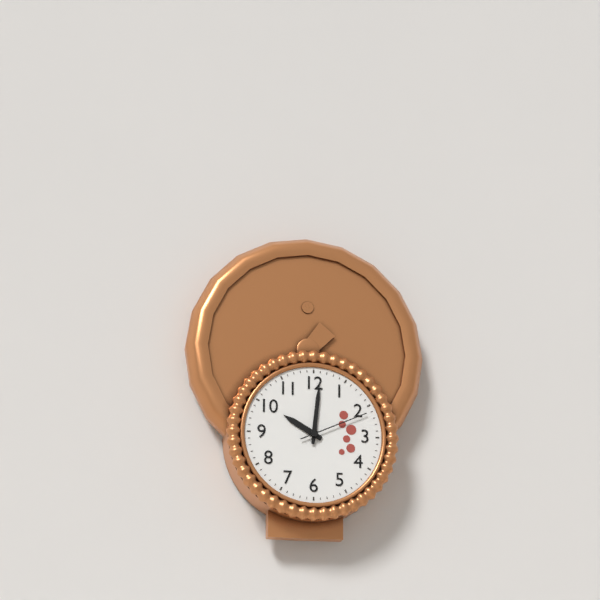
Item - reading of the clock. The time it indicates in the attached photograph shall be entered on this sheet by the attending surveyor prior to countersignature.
10:01:11
